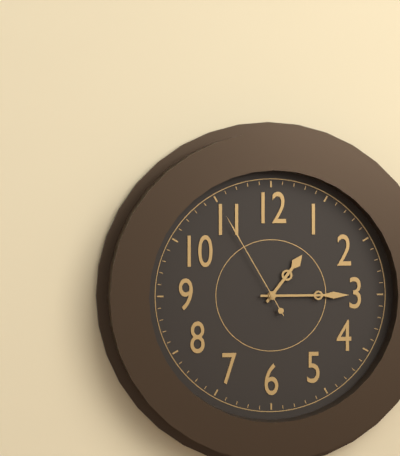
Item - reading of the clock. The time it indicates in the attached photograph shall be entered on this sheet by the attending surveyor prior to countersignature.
1:15:55
